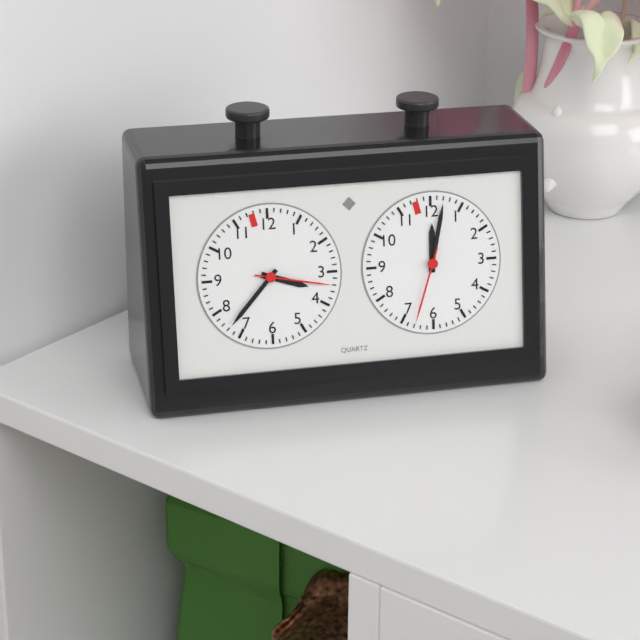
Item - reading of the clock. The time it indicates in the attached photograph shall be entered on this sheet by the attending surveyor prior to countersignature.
3:37:17
